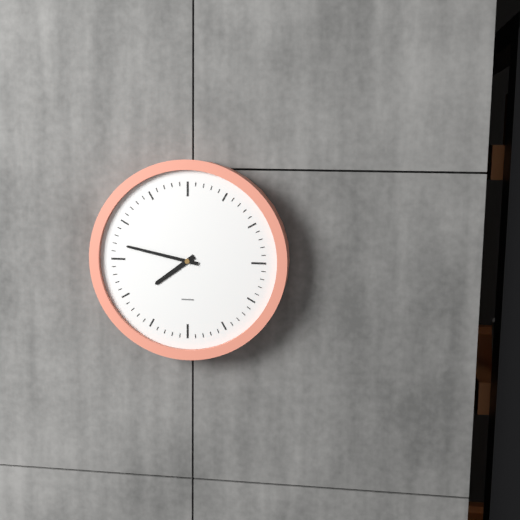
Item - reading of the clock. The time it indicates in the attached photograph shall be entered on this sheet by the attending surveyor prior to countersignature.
7:47
